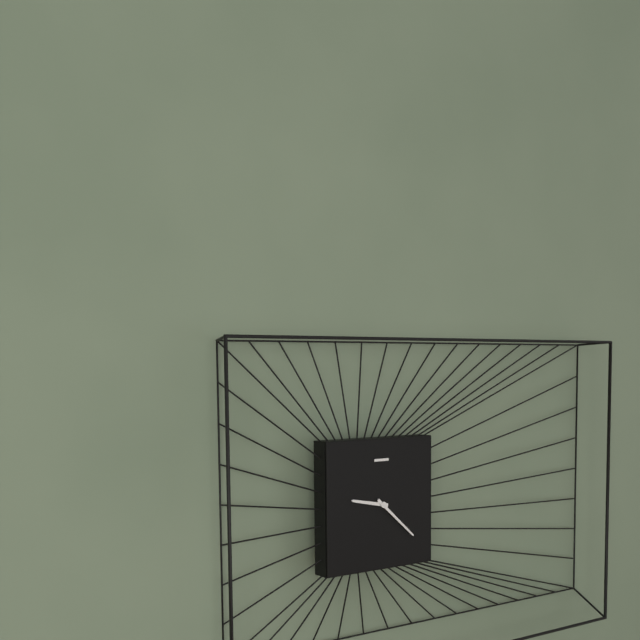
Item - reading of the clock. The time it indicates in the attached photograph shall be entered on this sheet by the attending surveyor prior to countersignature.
9:22
